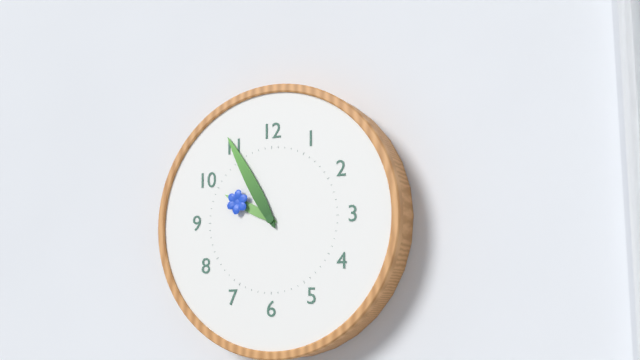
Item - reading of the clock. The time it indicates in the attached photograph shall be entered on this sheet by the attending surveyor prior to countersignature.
9:55
